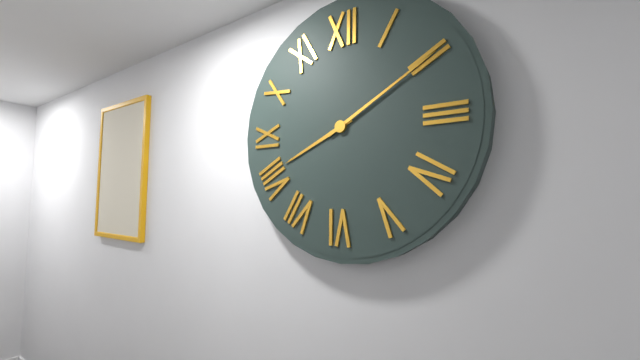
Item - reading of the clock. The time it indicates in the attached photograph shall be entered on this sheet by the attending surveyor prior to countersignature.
8:10
